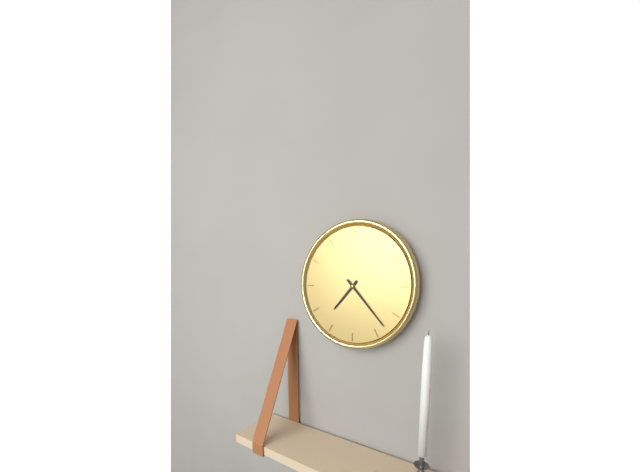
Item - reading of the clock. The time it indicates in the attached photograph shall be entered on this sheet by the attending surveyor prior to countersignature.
7:23
